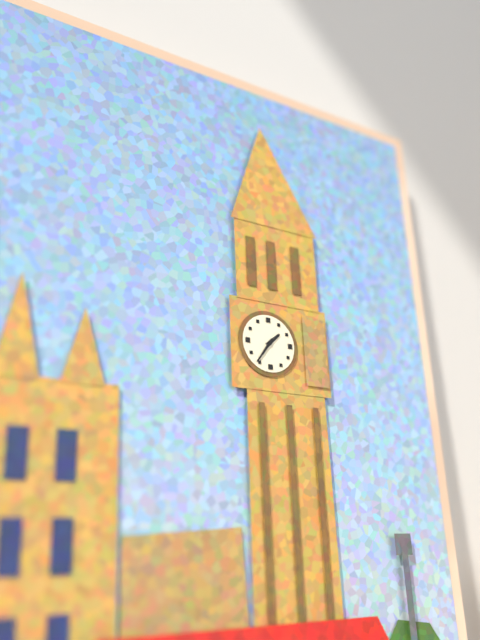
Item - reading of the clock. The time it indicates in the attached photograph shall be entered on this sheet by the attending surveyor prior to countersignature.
1:36
